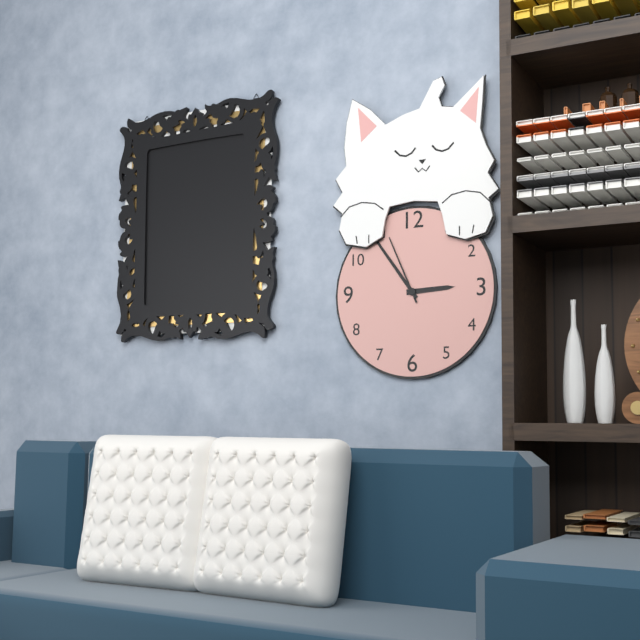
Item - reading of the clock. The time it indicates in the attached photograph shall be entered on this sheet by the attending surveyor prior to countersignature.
2:54:56
